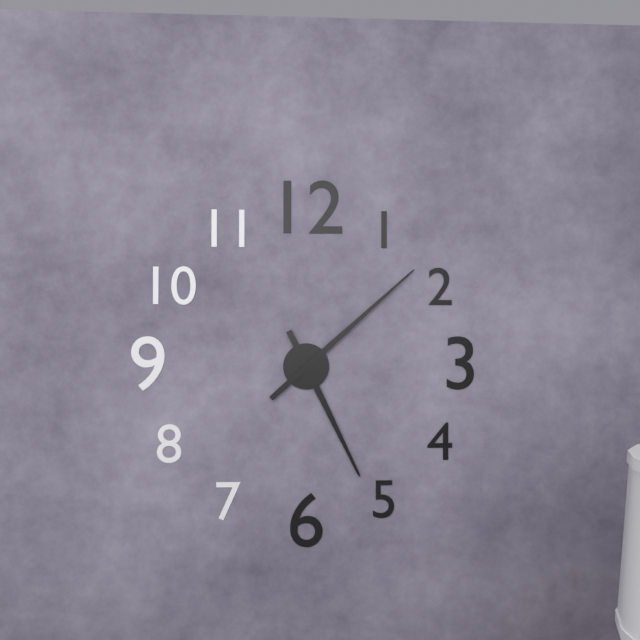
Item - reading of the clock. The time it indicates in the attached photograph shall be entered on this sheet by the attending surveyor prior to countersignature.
5:08
